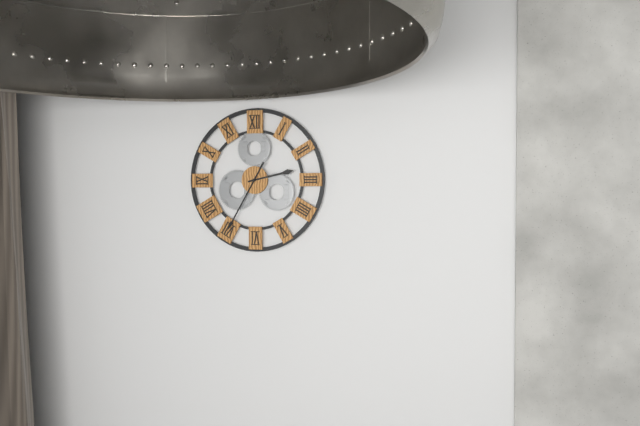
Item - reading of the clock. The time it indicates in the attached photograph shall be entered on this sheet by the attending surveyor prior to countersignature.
2:35
